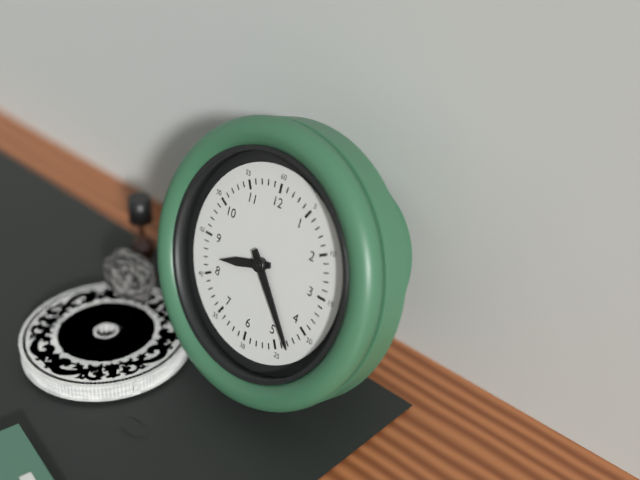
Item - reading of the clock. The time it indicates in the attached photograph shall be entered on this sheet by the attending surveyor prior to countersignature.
8:23
